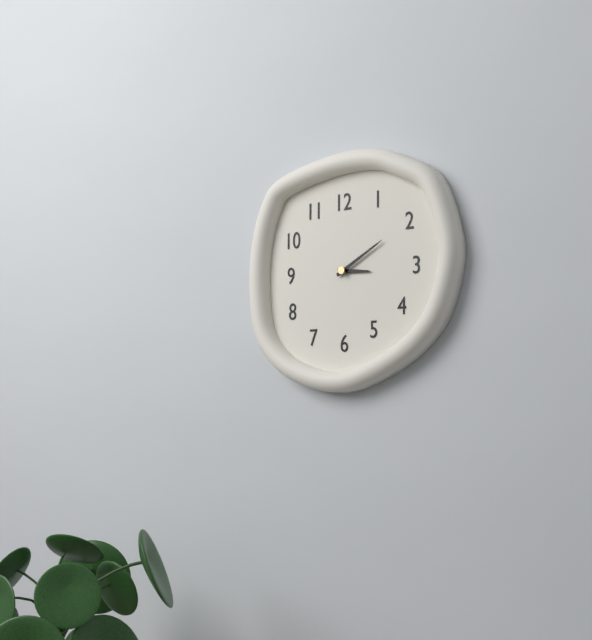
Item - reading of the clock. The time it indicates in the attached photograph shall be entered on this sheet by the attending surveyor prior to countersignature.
3:10
